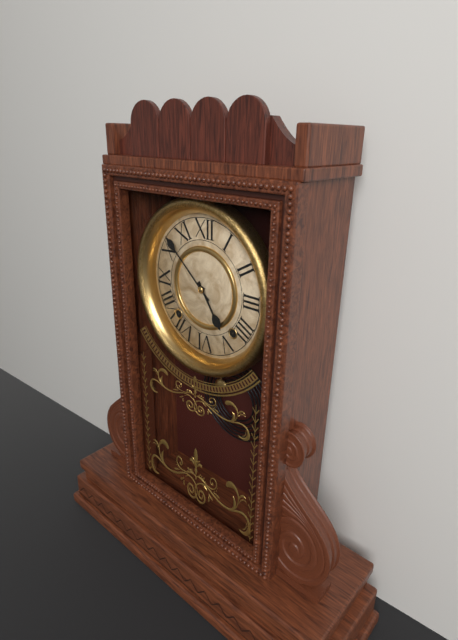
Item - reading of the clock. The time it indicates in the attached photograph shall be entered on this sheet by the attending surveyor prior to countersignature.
4:52
